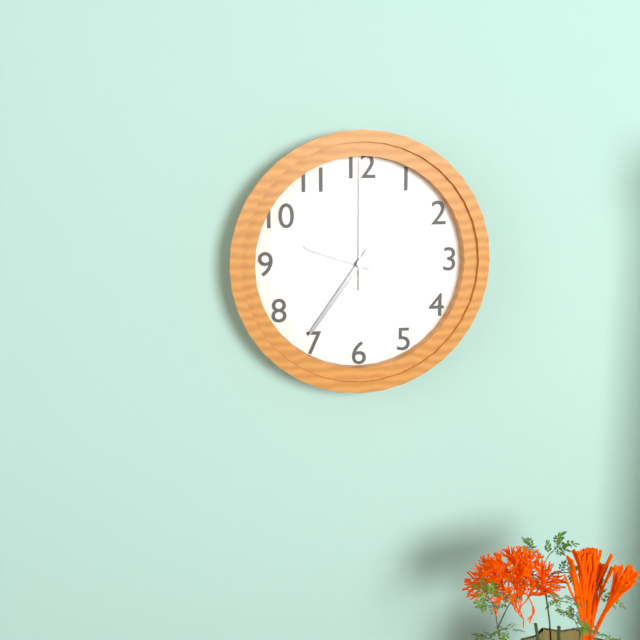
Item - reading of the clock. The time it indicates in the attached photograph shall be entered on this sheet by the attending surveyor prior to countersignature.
9:36:00
